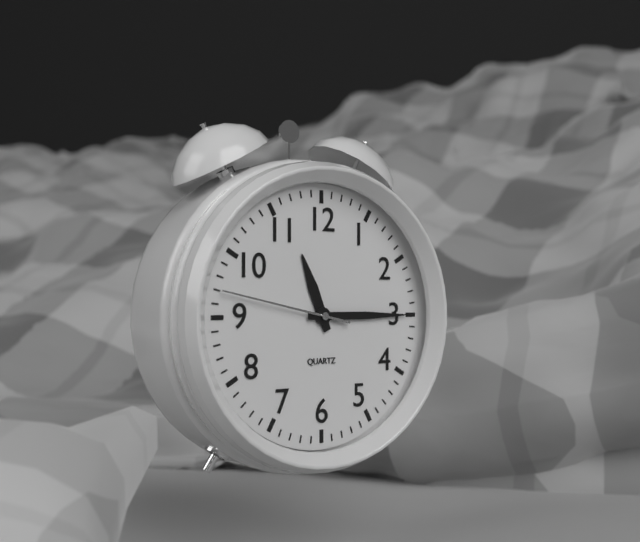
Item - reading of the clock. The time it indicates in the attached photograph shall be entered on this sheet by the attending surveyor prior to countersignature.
11:15:47
